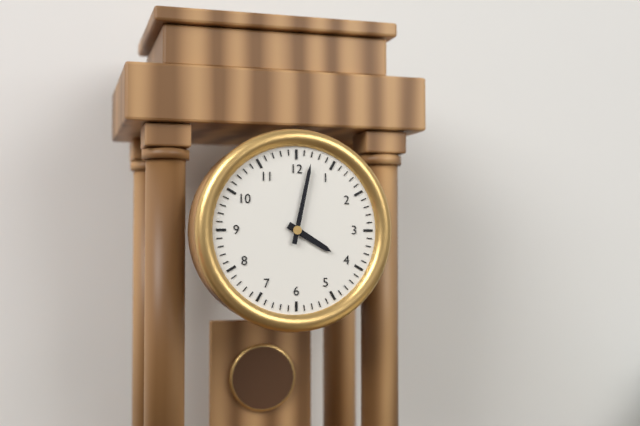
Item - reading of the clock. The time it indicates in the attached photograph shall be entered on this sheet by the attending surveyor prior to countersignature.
4:02
